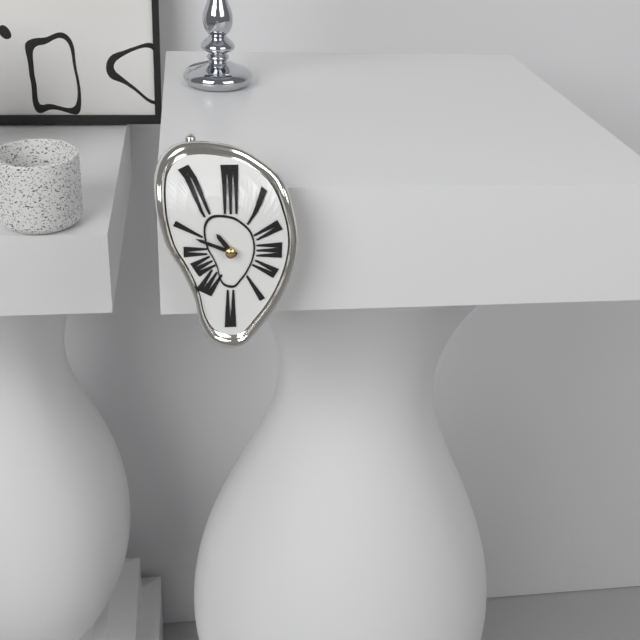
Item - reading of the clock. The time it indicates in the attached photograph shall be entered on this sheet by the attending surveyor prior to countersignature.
10:49
